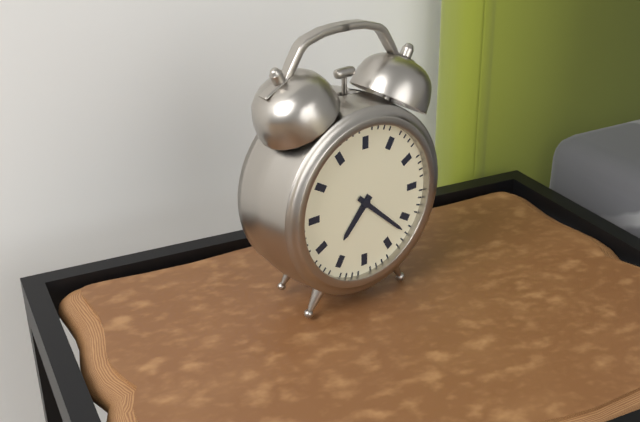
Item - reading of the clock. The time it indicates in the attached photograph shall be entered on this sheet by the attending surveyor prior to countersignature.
7:22
